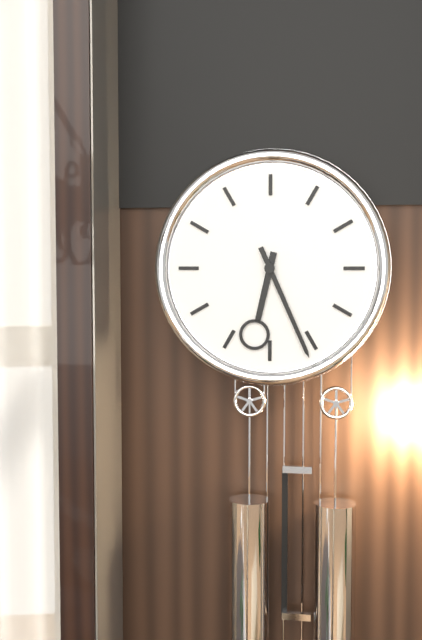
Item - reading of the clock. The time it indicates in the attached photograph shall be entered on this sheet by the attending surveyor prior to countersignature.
6:26
